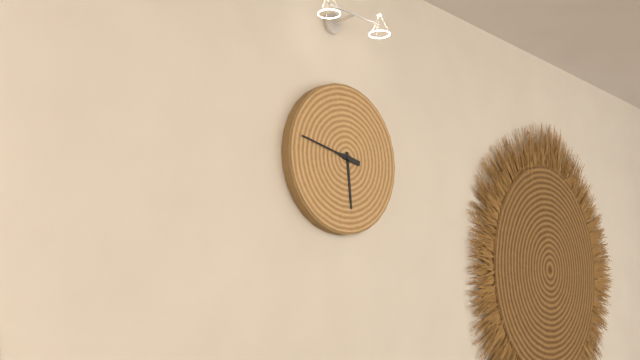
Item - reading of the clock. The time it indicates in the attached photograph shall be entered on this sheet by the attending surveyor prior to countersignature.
5:47
